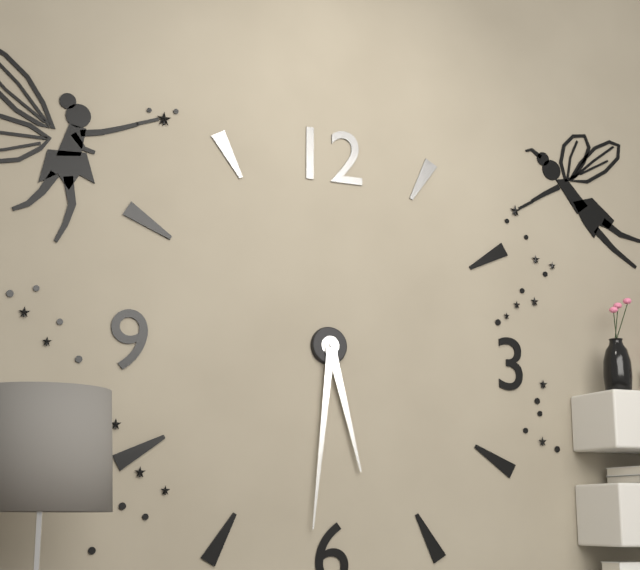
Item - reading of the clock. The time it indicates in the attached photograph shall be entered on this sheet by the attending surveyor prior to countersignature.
5:31
